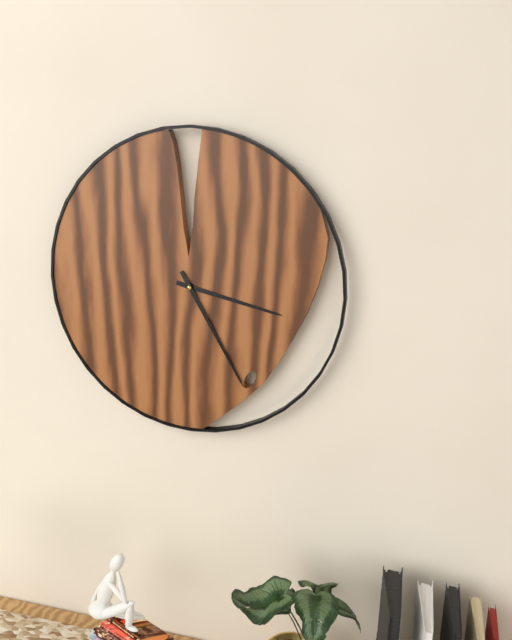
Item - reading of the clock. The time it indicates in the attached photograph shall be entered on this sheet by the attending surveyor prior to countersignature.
3:25
